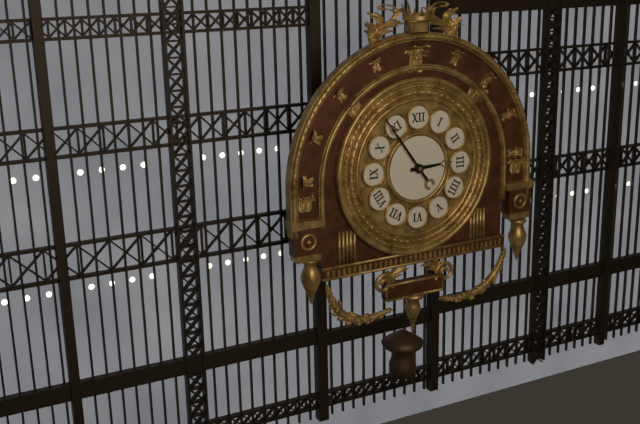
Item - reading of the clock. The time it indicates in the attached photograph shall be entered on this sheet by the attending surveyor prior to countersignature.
2:54
